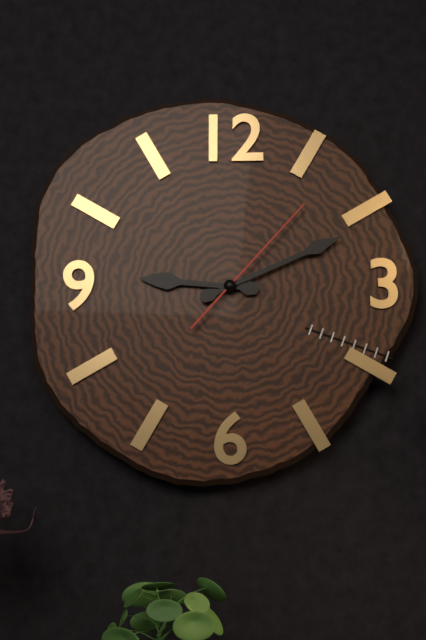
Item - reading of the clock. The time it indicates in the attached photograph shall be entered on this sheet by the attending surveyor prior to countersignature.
9:11:07
